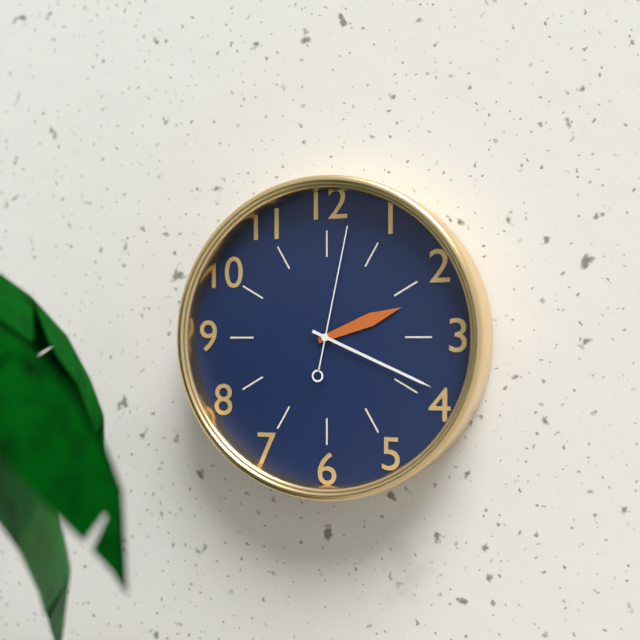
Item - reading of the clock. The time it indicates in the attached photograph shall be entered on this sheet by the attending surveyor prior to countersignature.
2:19:02
